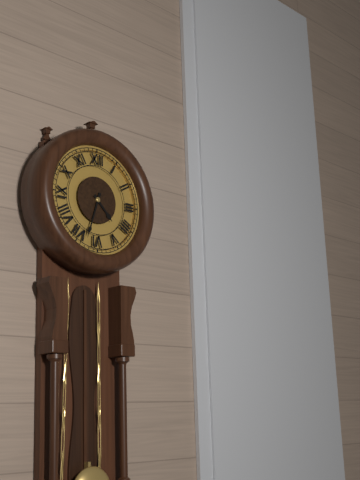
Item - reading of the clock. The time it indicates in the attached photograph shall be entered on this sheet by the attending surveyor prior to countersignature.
4:33
